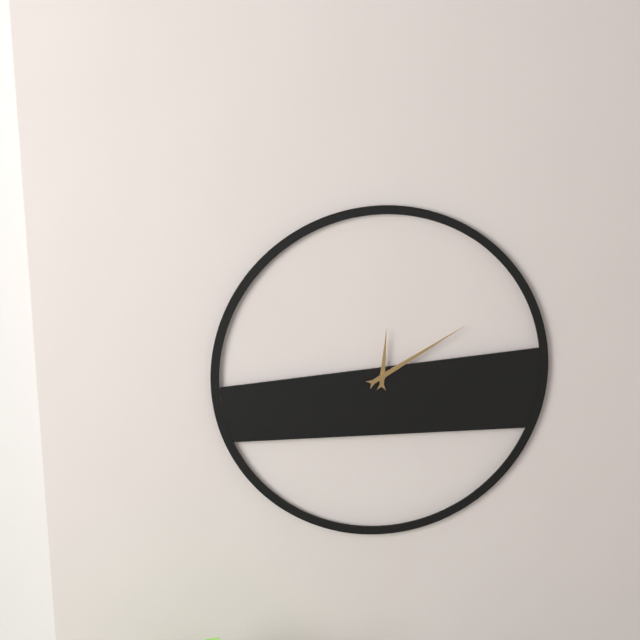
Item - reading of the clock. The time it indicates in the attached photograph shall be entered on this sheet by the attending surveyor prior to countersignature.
12:10
